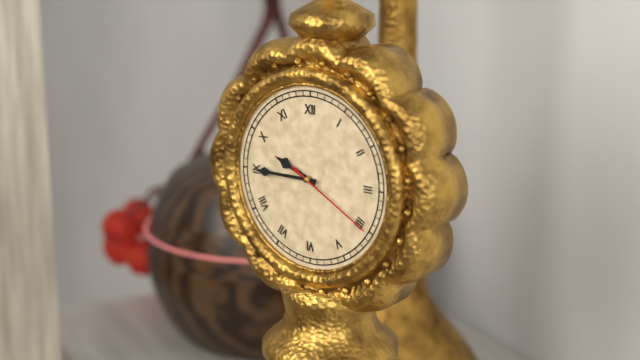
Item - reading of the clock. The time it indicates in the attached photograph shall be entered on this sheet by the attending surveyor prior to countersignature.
9:45:20
